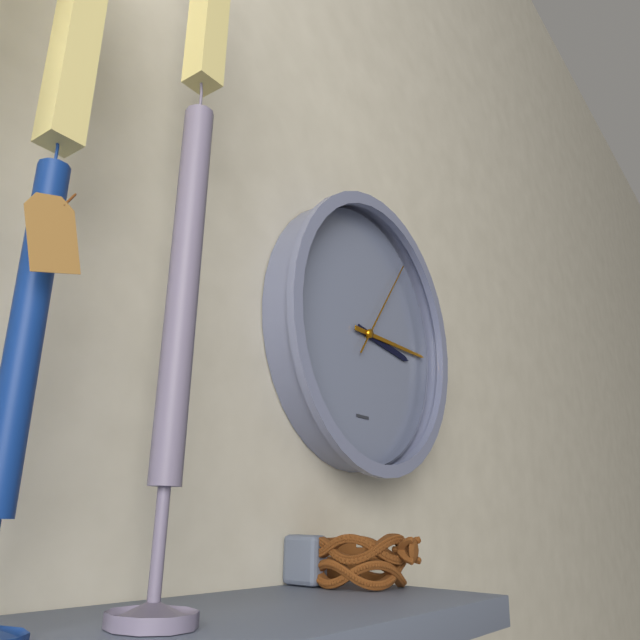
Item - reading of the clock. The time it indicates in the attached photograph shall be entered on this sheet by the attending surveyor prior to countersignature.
3:15:06
